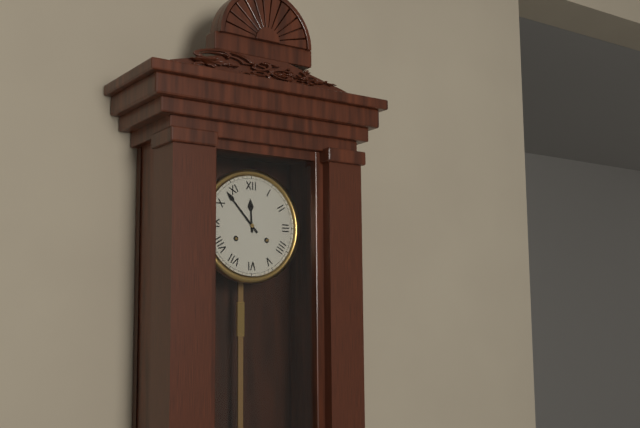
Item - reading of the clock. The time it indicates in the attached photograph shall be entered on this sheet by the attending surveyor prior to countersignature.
11:53
